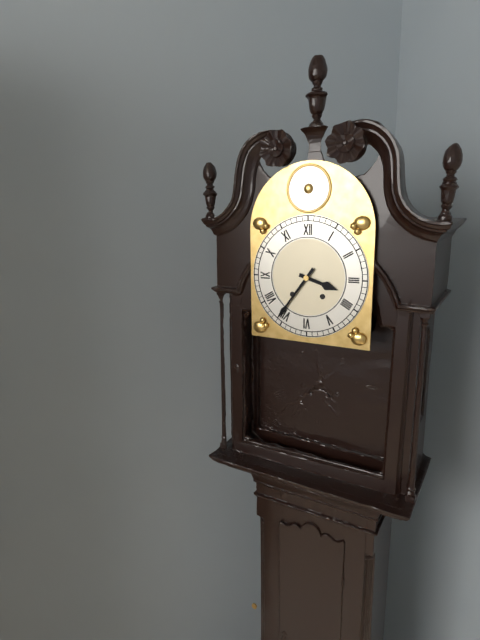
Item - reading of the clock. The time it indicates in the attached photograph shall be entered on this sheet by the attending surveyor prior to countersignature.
3:36
